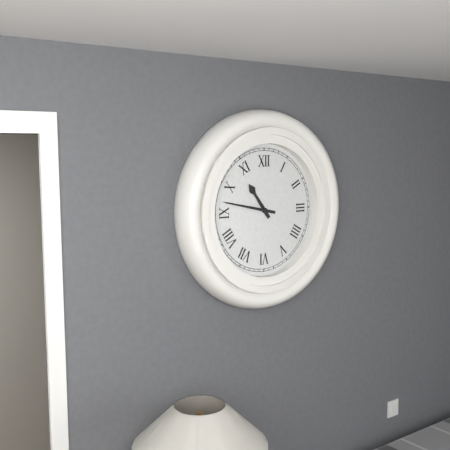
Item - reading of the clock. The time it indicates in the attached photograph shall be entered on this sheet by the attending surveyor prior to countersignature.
10:47
